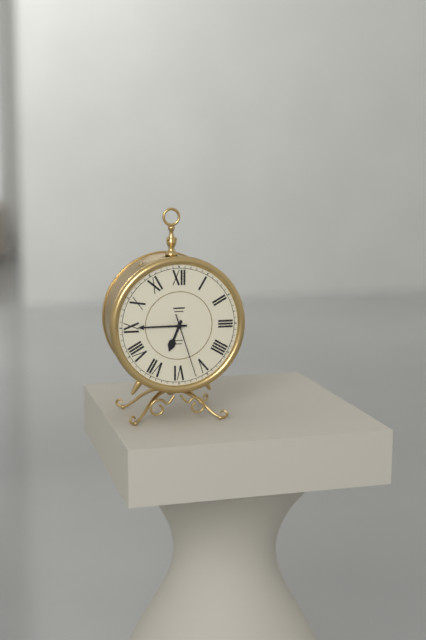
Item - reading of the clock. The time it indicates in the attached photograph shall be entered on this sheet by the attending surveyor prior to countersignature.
6:45:27
